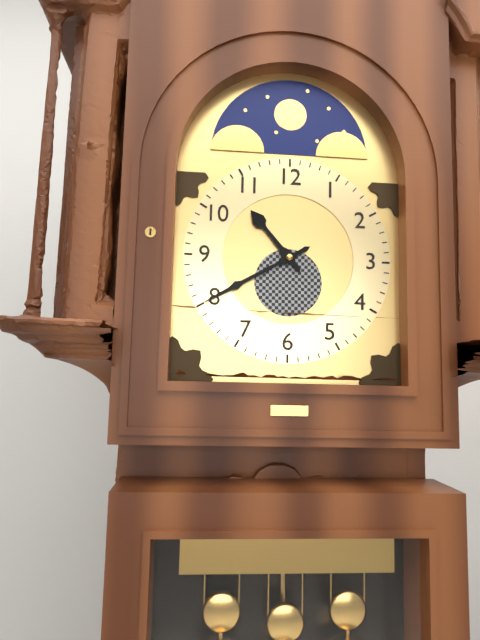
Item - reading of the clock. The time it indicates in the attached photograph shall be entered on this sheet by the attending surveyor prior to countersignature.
10:40
